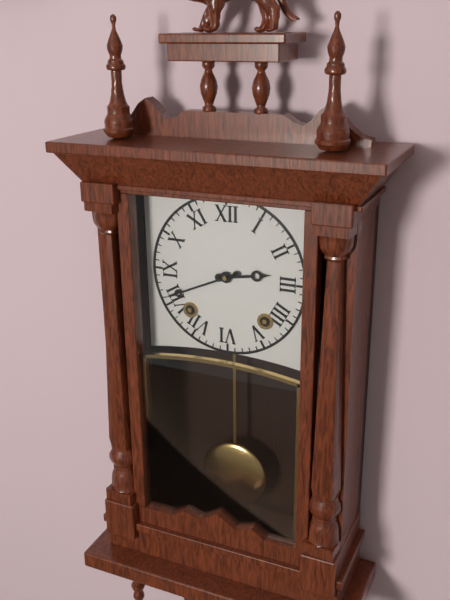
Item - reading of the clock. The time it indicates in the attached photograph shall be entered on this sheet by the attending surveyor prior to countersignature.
2:41
